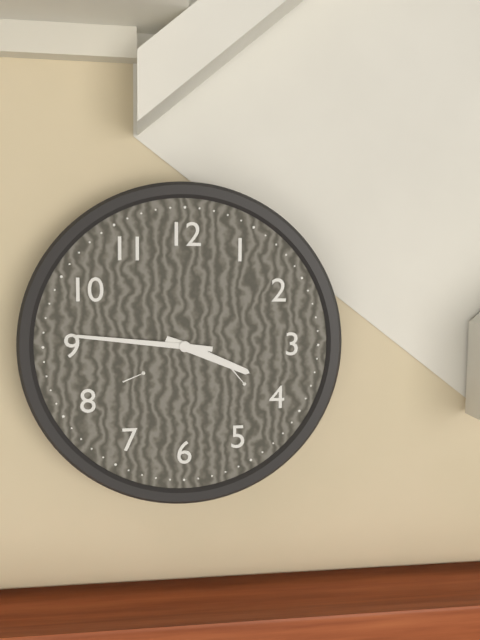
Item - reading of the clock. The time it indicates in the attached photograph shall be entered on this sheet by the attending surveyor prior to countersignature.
3:46
